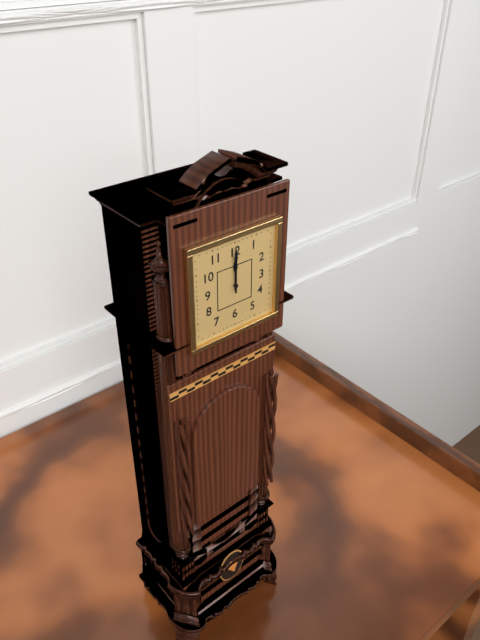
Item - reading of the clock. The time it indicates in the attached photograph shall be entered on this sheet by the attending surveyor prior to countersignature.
12:00
